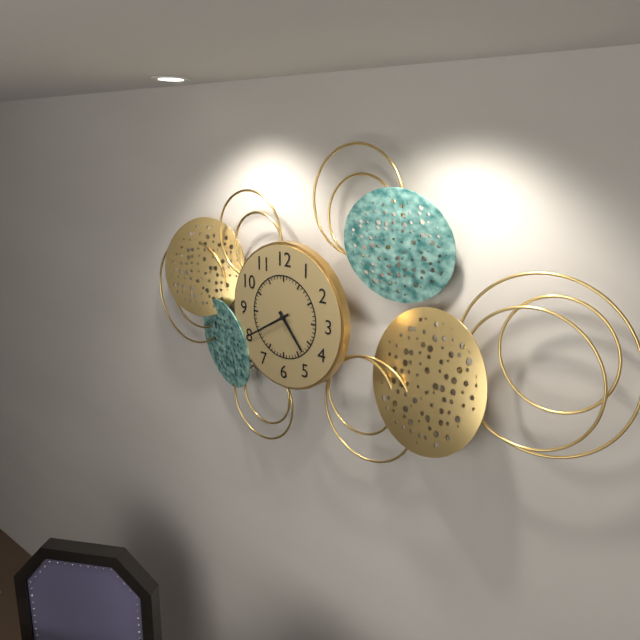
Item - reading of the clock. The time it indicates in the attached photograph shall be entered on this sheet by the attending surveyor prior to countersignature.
4:40
